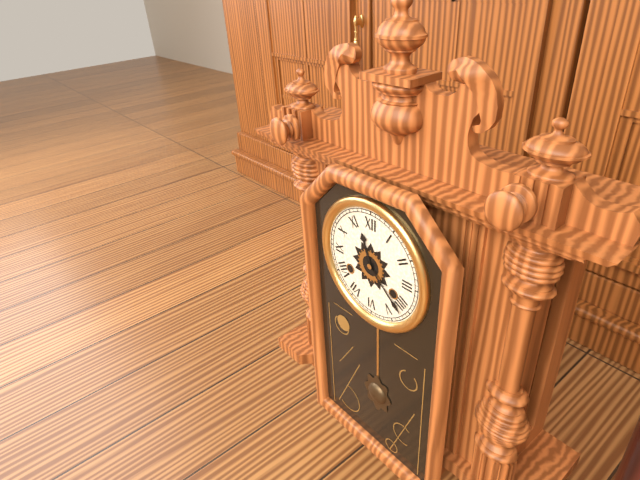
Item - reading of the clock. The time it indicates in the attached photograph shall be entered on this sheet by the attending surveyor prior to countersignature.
11:22
